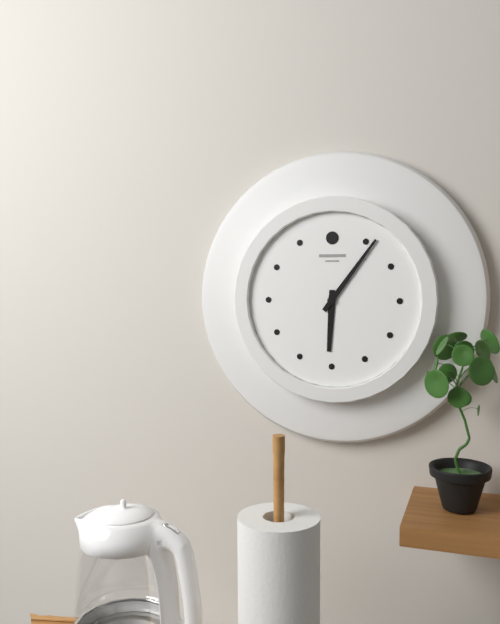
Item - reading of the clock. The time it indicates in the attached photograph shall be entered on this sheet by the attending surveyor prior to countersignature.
6:06
